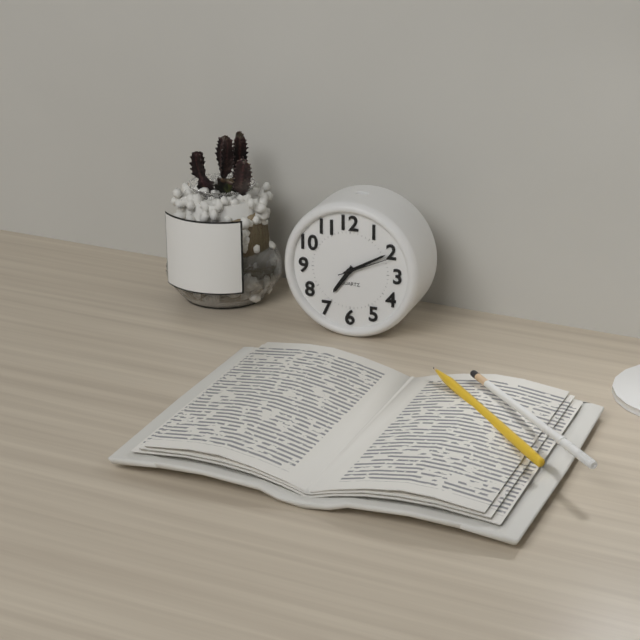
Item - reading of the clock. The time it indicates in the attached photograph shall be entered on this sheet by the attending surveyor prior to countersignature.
7:10:11
